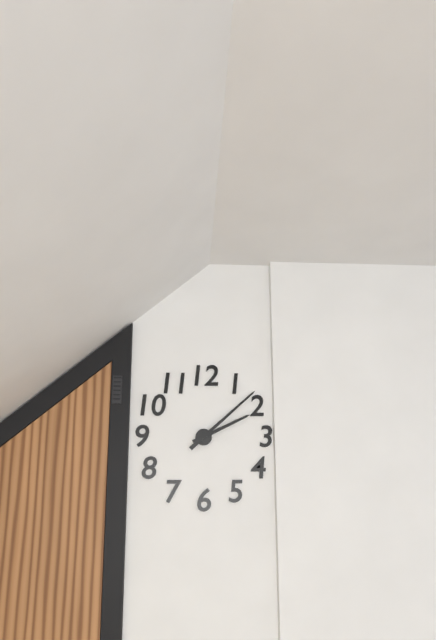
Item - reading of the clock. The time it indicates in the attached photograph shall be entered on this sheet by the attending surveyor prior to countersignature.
2:08
